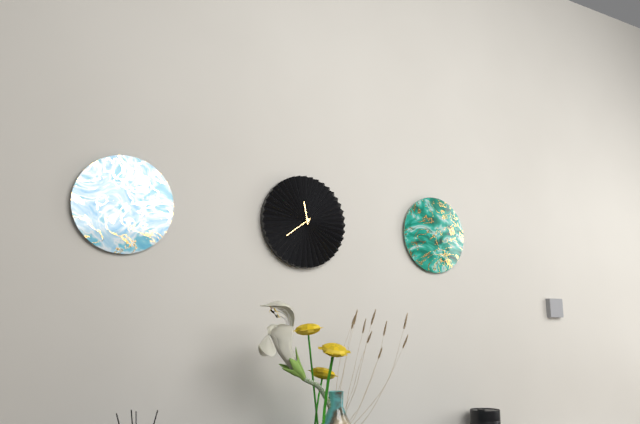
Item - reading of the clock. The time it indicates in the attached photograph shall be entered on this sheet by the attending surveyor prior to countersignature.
11:39
